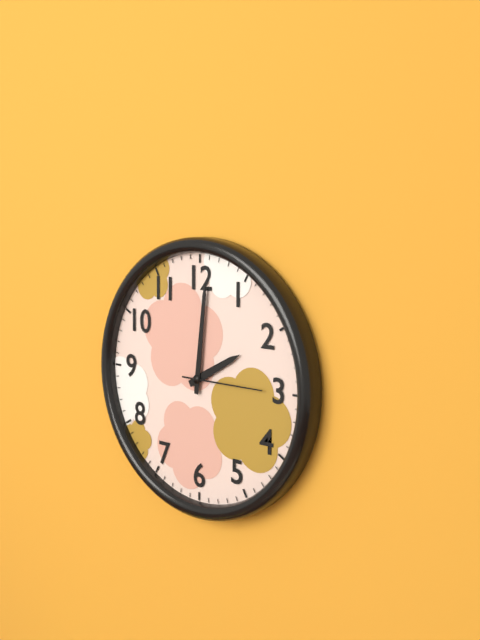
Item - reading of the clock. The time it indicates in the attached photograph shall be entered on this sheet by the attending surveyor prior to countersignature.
2:01:15
